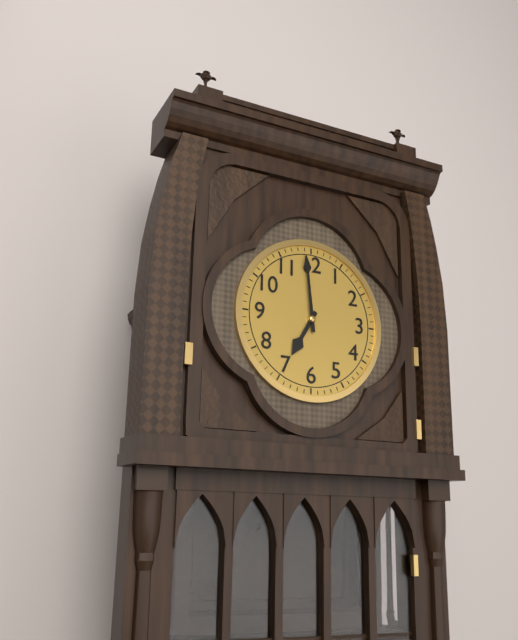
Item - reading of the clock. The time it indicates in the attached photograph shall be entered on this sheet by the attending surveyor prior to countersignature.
6:59
